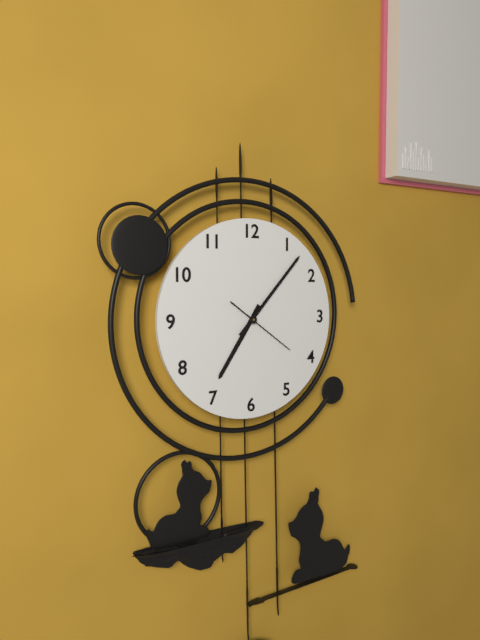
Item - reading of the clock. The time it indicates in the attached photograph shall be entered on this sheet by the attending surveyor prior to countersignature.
7:07:21
